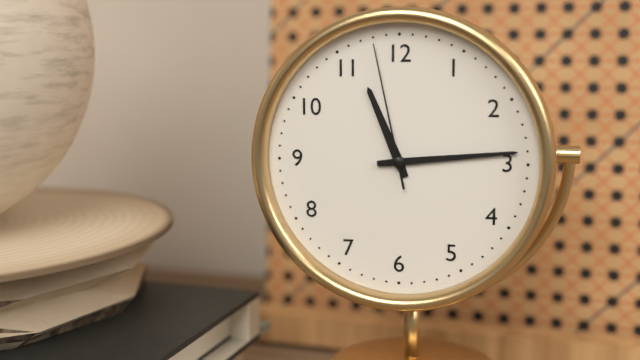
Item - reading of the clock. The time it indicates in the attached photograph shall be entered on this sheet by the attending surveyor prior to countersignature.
11:14:58
